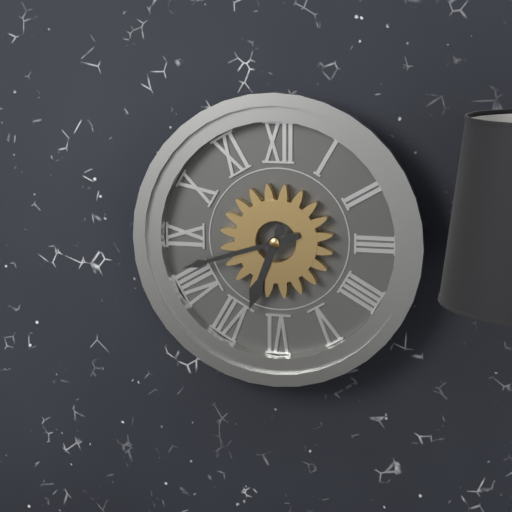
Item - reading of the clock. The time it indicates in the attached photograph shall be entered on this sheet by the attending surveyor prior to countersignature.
6:42
